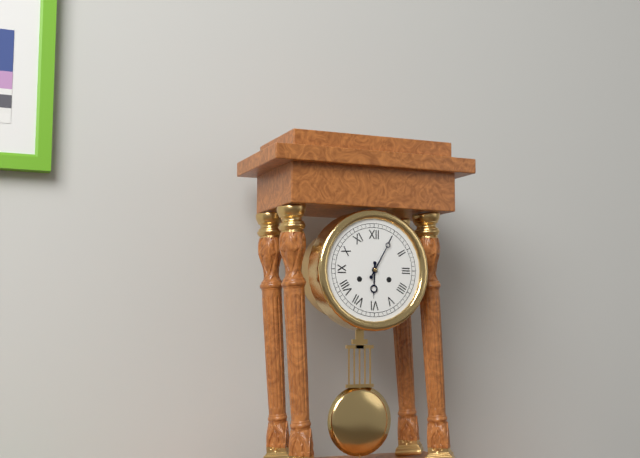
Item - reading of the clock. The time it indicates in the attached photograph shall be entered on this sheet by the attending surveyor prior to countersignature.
6:05
